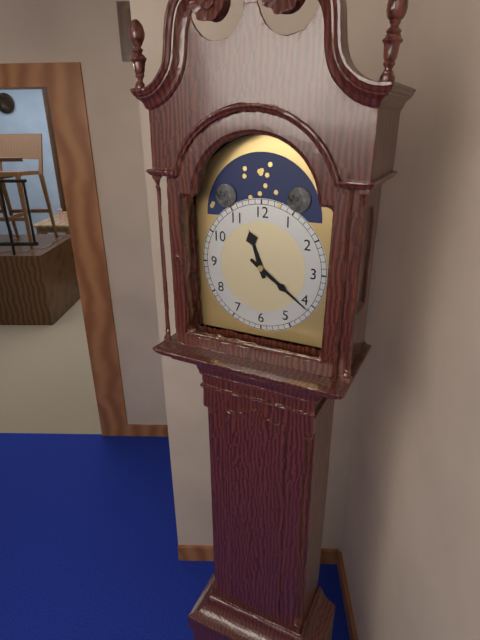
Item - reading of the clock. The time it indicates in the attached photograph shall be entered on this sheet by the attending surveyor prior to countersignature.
11:21
